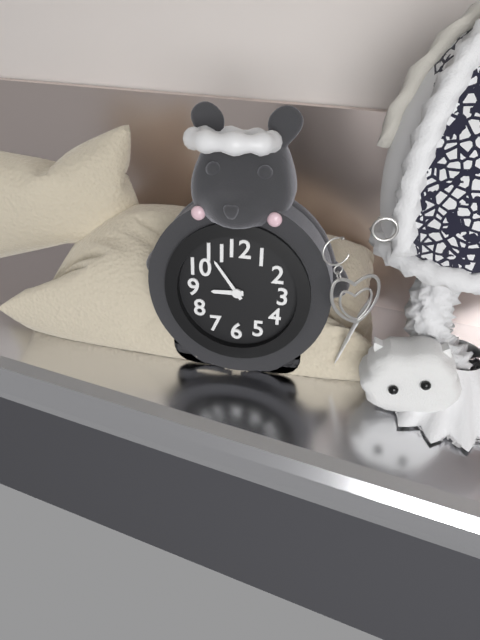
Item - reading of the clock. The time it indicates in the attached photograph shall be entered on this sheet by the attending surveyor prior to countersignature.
8:54
